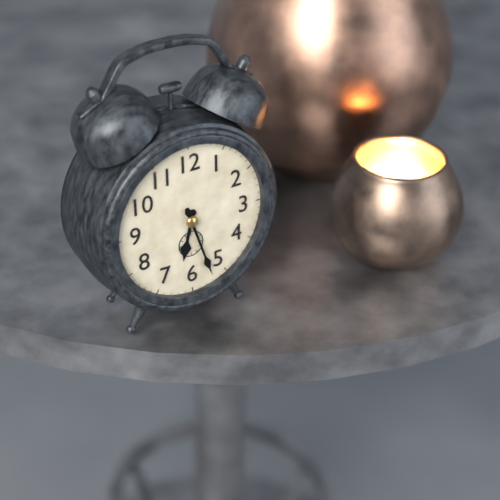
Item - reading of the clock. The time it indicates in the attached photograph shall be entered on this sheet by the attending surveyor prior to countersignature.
6:27
